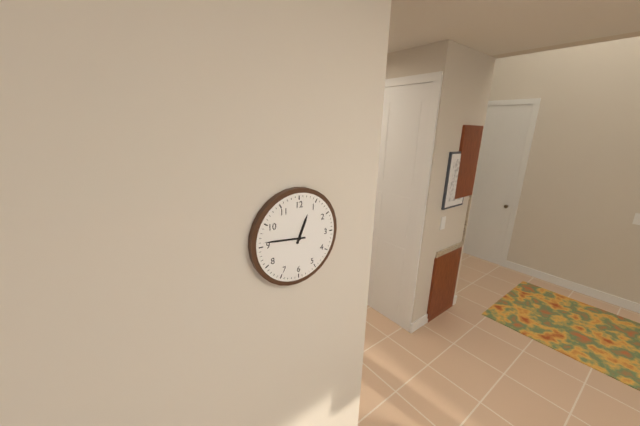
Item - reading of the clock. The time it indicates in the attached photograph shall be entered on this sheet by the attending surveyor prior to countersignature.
12:46
